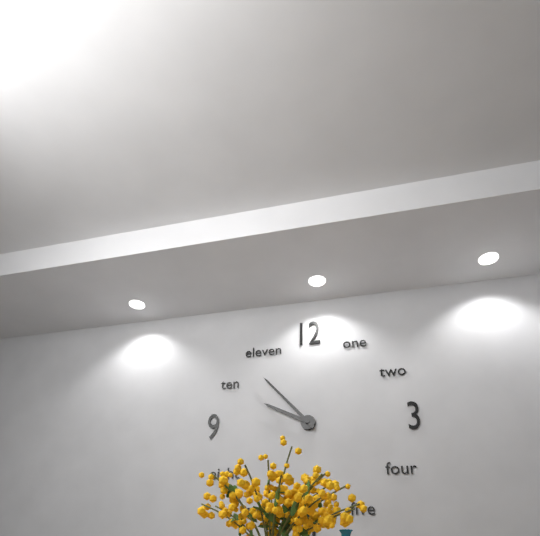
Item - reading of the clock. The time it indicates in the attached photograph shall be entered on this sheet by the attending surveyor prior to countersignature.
9:53
